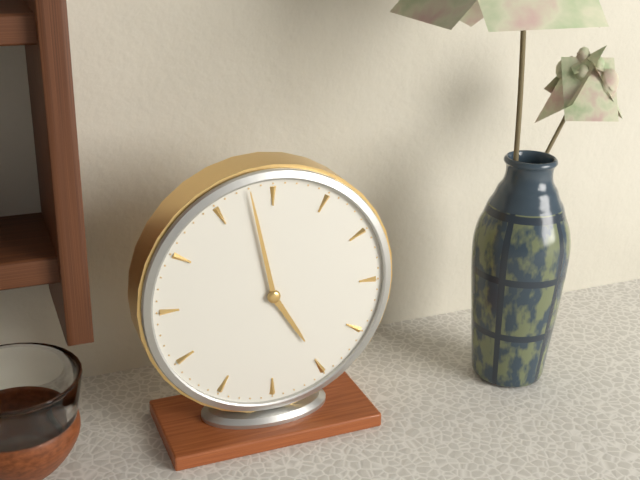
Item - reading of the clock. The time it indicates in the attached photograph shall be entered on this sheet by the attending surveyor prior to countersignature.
4:58
